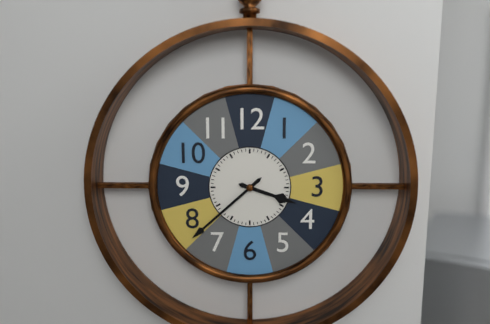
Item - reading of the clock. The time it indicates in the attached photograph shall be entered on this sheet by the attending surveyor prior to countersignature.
3:38
